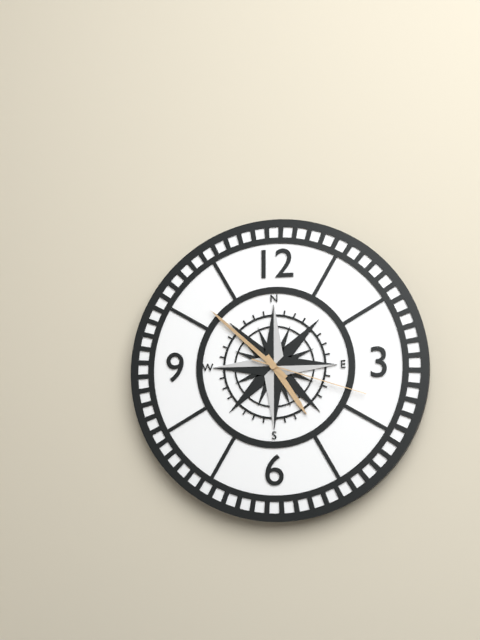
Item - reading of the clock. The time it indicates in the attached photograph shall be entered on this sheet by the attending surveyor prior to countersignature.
4:52:18
